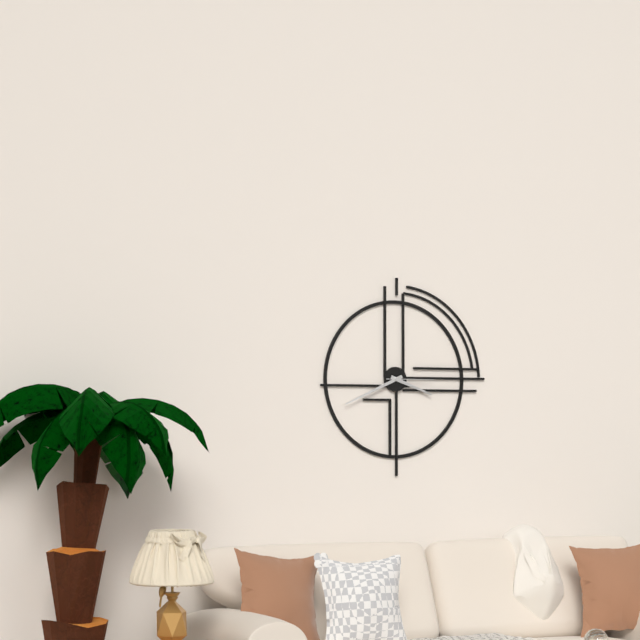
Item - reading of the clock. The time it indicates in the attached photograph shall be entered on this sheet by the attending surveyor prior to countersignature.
3:41:15
